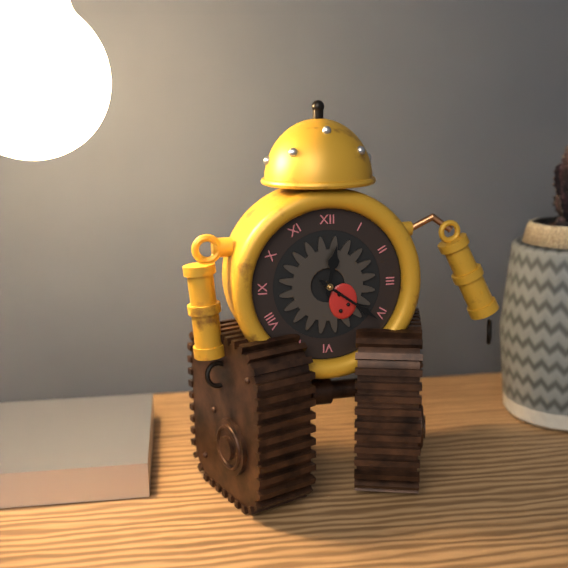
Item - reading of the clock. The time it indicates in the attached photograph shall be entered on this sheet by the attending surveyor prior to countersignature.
12:21
